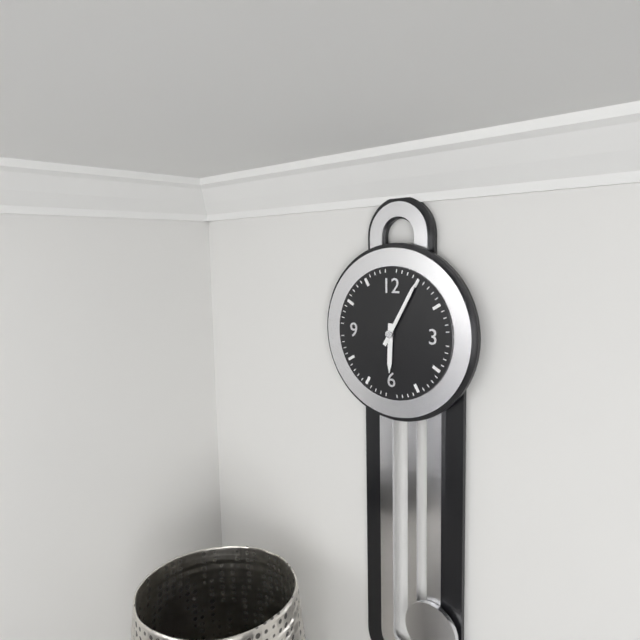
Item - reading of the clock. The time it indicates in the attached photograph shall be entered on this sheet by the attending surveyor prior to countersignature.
6:05
